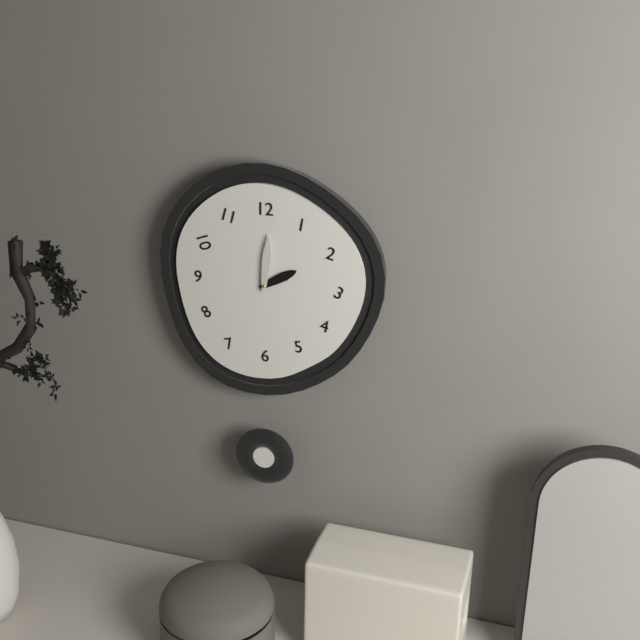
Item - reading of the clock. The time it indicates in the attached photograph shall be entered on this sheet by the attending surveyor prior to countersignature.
2:01
